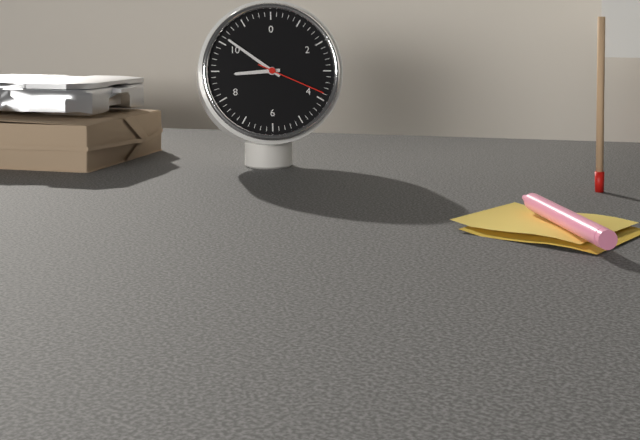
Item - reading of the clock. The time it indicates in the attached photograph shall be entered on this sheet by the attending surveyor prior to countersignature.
8:51:19
